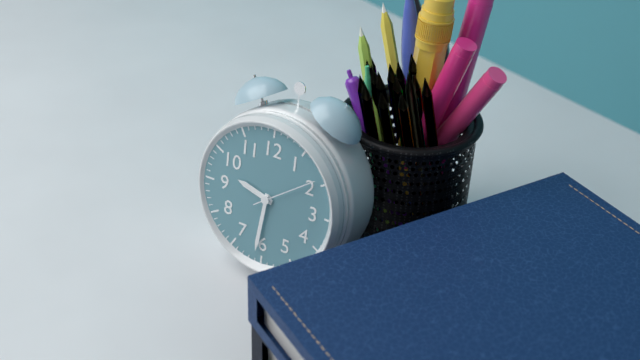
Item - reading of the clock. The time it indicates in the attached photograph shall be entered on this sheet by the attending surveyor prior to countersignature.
9:31:09
